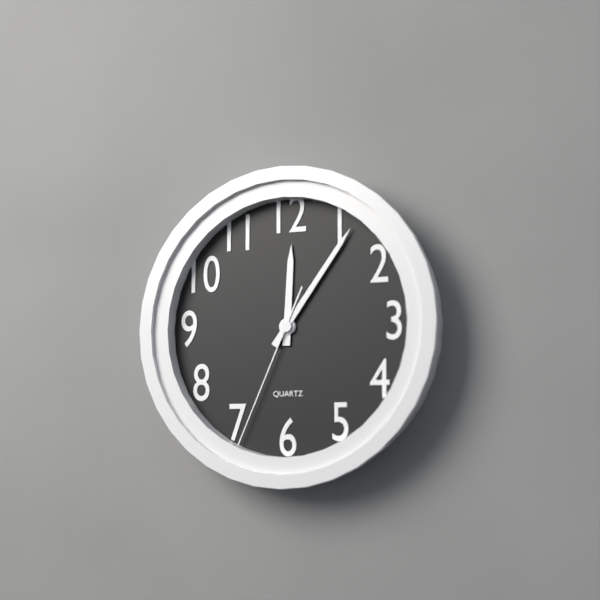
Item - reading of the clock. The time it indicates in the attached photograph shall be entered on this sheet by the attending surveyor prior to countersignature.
12:06:34
